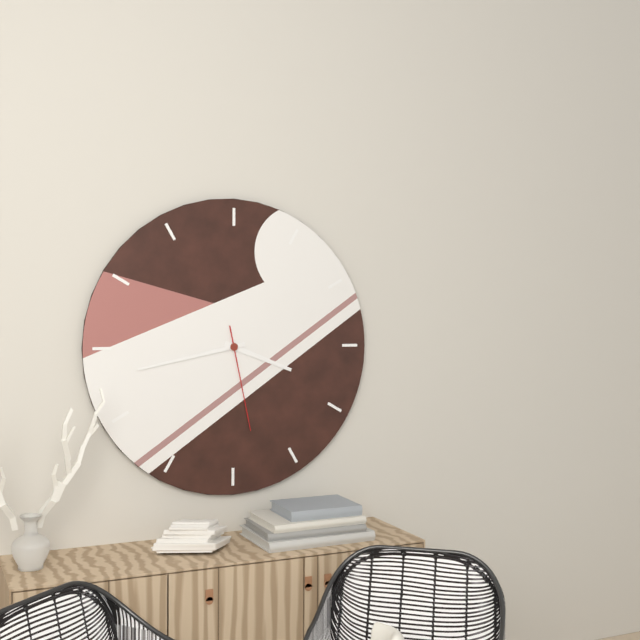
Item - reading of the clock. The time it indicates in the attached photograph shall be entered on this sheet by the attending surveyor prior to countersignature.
3:43:28
